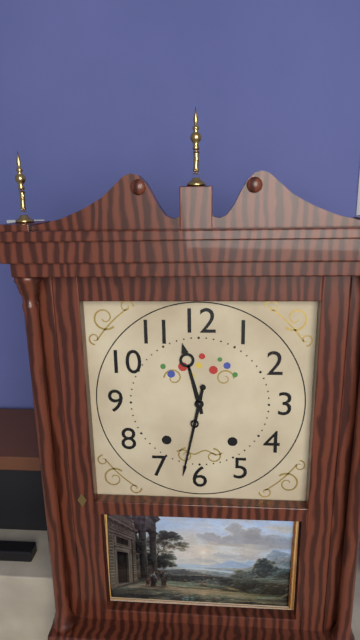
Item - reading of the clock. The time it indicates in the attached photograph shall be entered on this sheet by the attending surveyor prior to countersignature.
11:32
